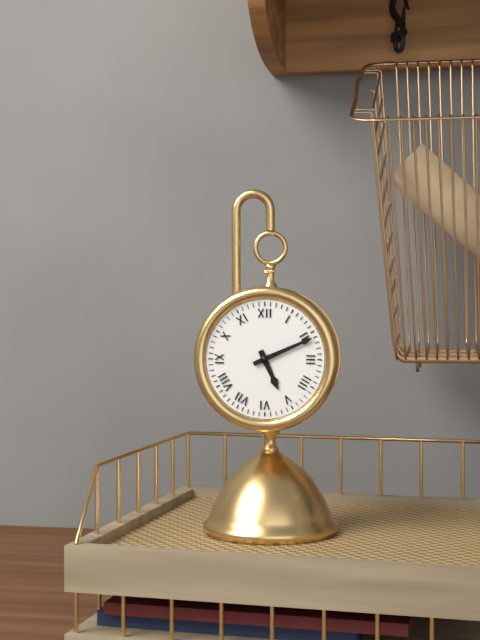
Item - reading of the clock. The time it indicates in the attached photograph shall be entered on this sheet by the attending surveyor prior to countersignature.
5:11
